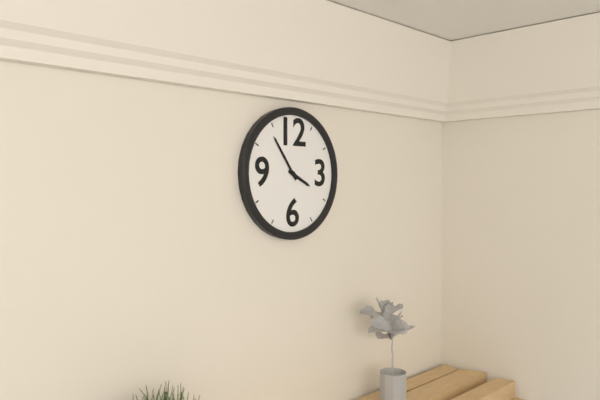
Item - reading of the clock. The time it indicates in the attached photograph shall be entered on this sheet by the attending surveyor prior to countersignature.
3:54
